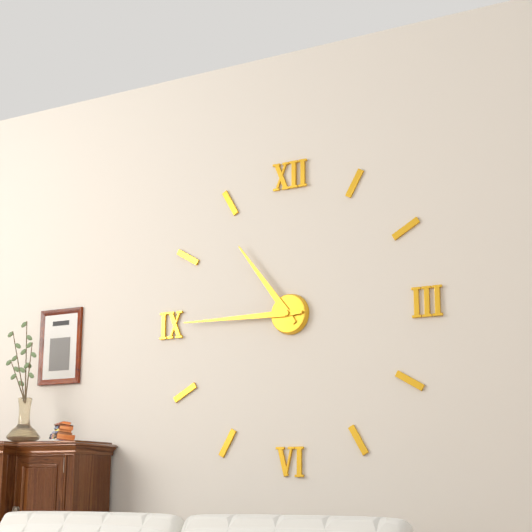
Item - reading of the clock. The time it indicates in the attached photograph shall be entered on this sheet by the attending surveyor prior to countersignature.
10:45
